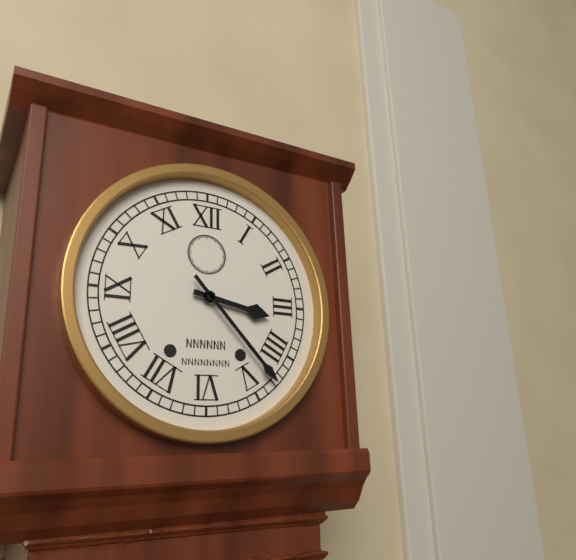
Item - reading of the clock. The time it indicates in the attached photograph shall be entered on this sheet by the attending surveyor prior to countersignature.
3:23
